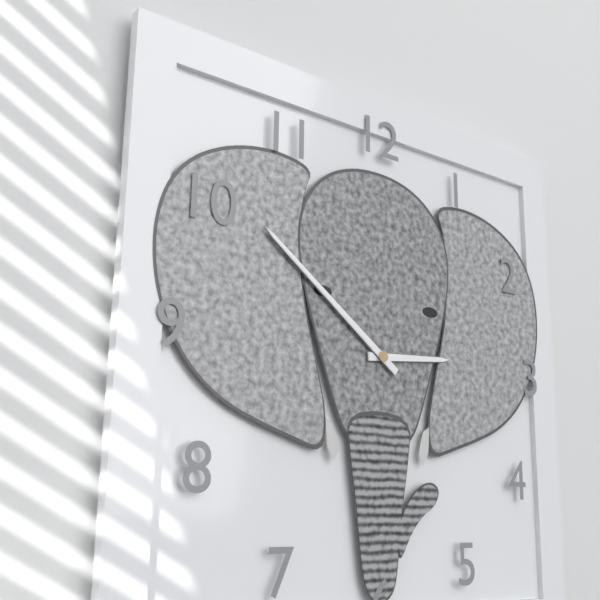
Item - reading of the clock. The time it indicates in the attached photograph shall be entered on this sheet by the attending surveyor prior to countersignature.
2:51
